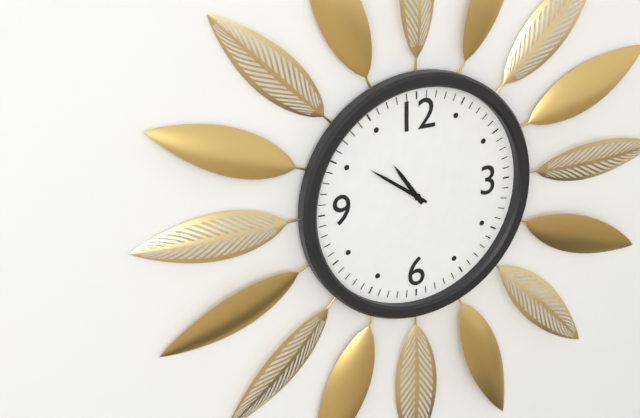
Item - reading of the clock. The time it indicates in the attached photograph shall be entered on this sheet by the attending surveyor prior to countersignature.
10:51
